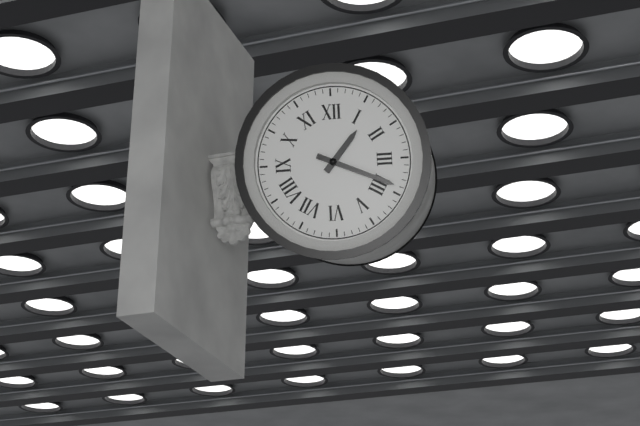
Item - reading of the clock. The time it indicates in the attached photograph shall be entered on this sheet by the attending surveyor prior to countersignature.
1:19
